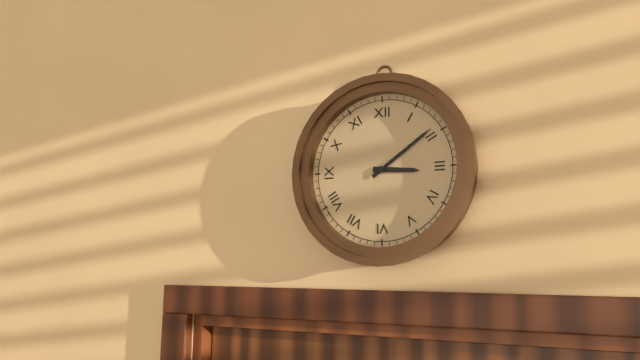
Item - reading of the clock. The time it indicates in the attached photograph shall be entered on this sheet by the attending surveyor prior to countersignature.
3:09
